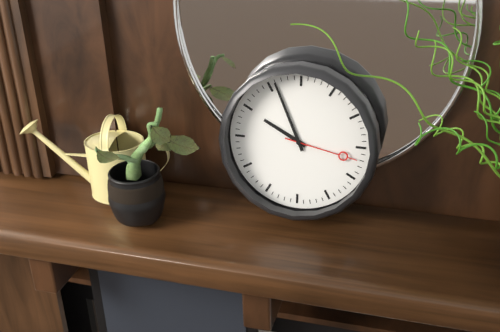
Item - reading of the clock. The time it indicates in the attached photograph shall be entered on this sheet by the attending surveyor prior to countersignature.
9:56:17
